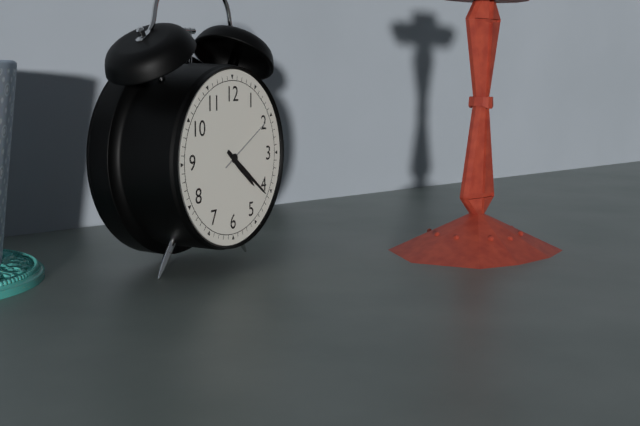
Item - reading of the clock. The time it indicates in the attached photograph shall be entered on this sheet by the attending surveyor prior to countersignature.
4:21:10
